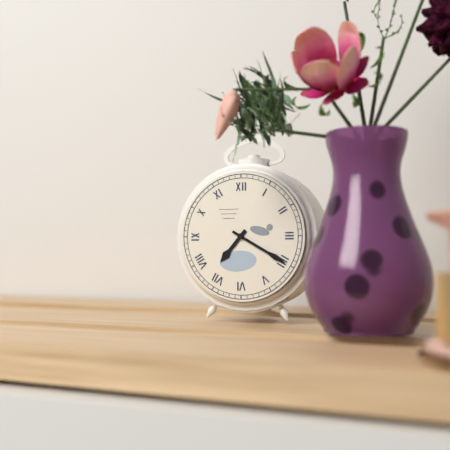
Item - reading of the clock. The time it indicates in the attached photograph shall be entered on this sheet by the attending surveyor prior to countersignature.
7:20
